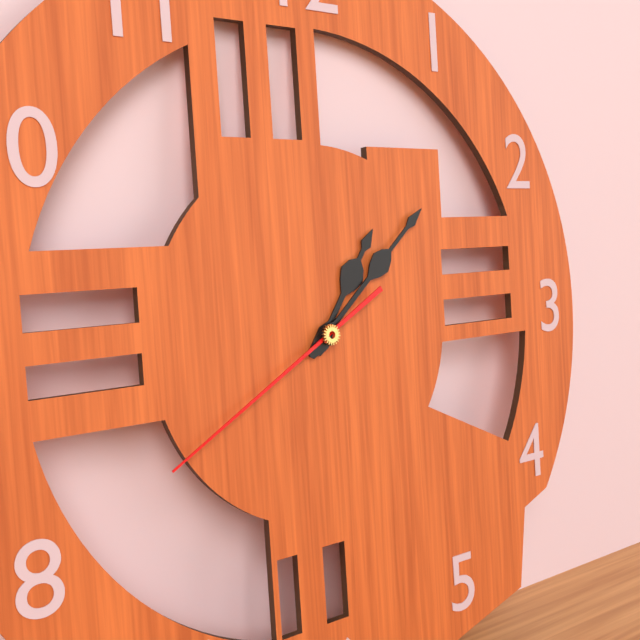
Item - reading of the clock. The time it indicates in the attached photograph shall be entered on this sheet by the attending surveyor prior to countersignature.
1:08:40
